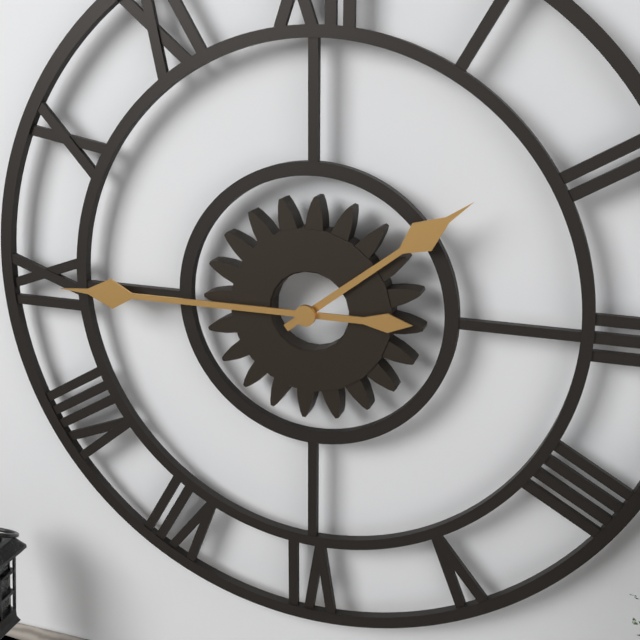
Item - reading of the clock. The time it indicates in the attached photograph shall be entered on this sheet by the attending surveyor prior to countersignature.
1:45
